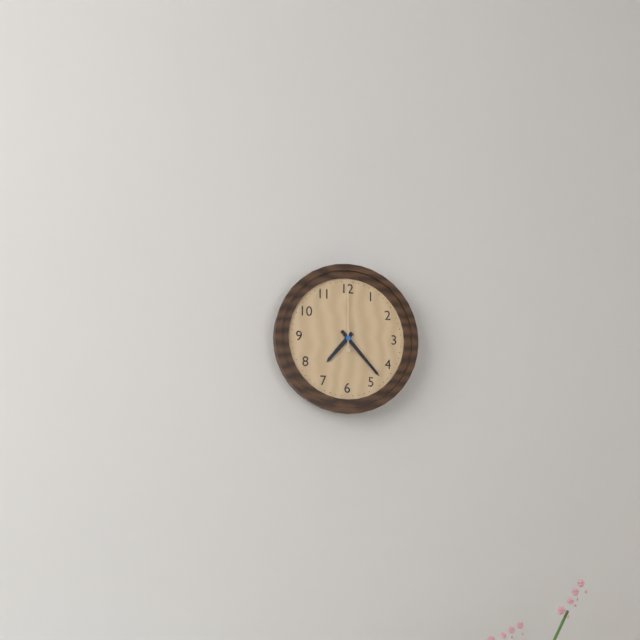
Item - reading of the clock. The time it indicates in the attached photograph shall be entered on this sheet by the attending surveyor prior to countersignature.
7:23:00
